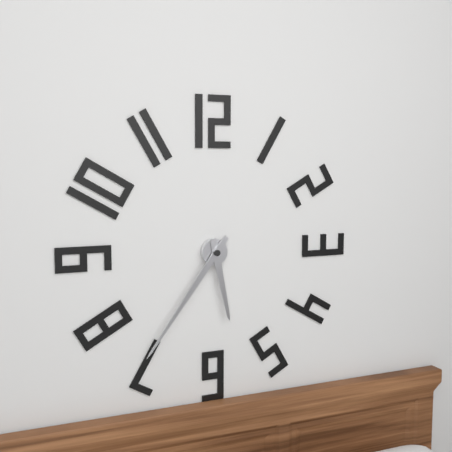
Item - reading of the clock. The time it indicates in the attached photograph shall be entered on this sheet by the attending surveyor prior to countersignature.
5:36
